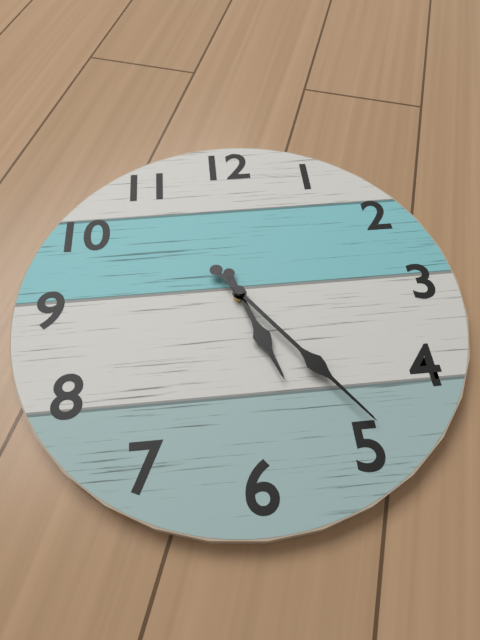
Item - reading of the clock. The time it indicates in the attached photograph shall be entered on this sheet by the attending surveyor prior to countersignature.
5:24
